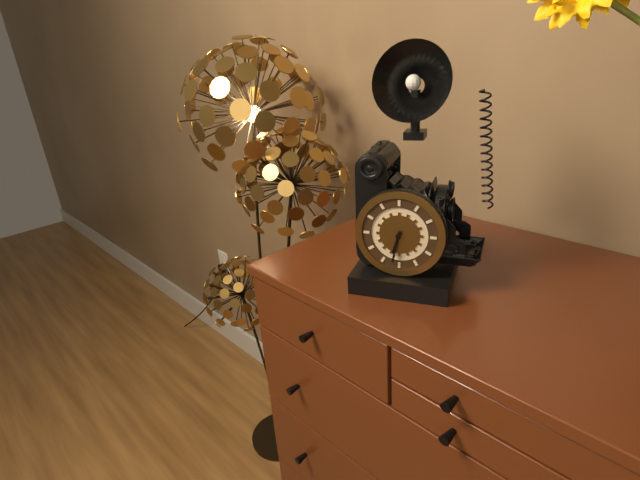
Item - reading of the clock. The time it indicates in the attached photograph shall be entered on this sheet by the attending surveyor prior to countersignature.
6:32
